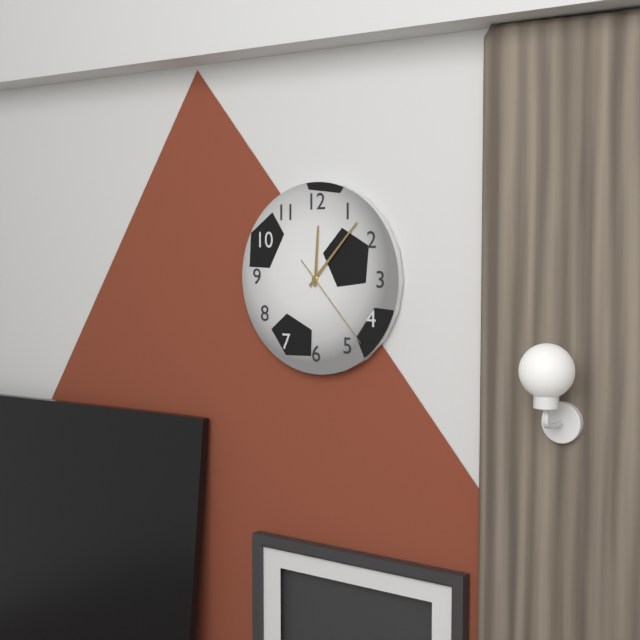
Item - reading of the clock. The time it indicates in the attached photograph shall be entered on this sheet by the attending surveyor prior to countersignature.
12:07:23
